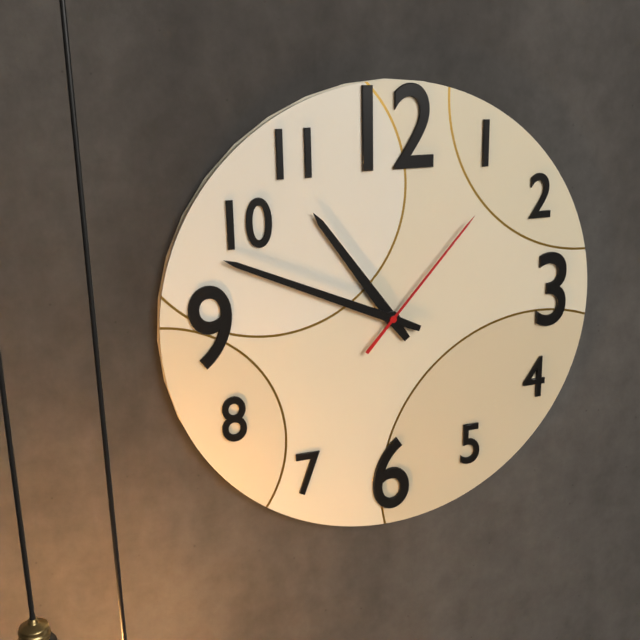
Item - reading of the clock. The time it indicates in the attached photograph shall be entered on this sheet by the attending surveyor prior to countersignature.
10:49:07
